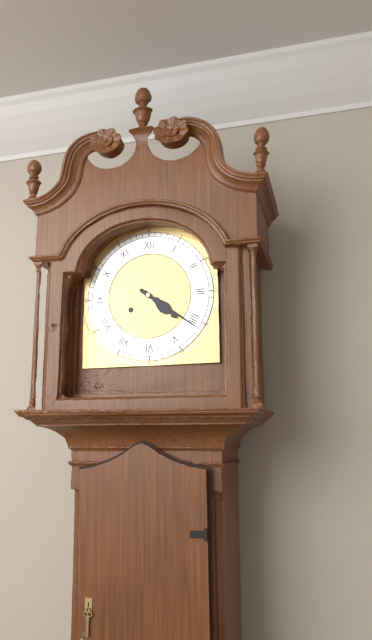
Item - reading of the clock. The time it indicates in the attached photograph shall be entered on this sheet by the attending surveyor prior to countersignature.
4:21
